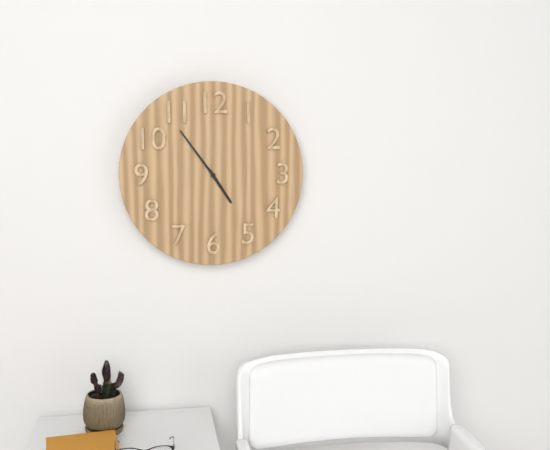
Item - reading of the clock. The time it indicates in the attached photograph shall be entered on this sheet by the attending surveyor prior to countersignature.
4:54
